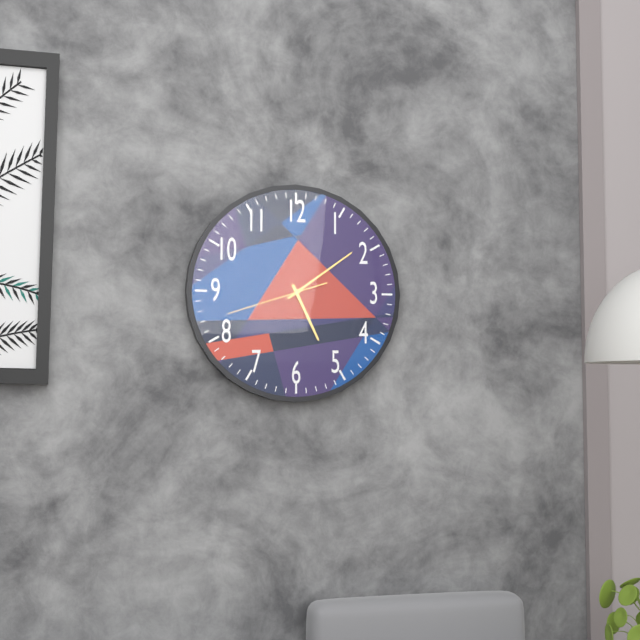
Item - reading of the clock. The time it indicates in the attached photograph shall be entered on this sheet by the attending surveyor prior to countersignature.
5:09:42
